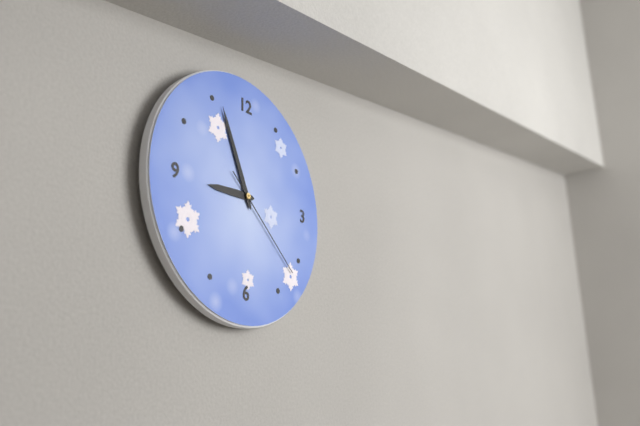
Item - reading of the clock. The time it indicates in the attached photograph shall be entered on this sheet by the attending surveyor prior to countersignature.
8:56:22
